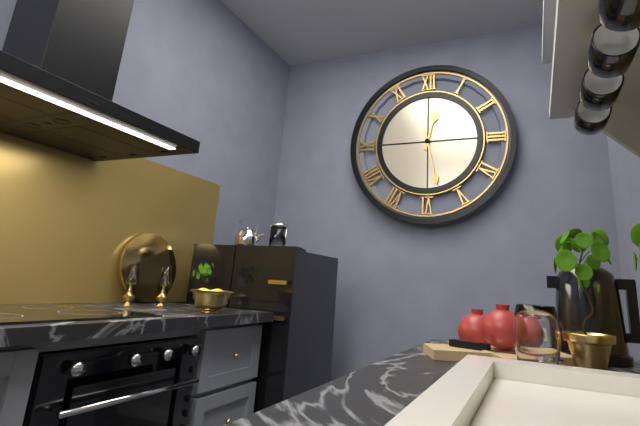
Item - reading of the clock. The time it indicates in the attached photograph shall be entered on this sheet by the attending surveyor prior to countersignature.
12:28
